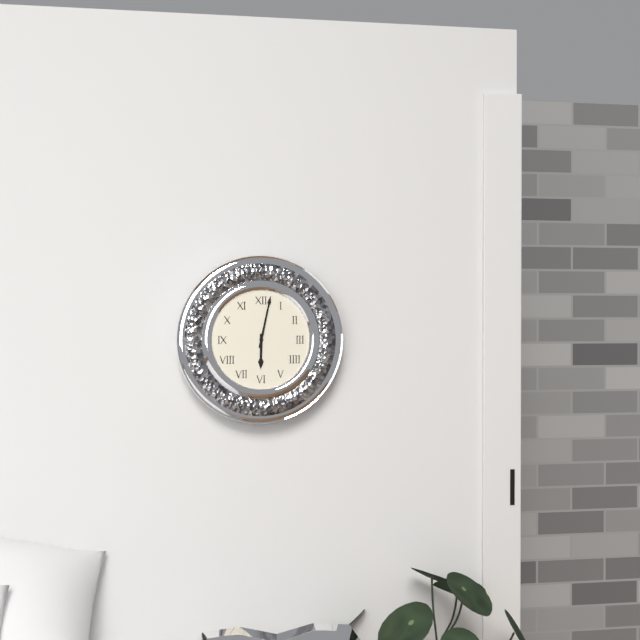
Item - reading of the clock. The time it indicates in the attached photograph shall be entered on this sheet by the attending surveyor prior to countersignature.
6:02
